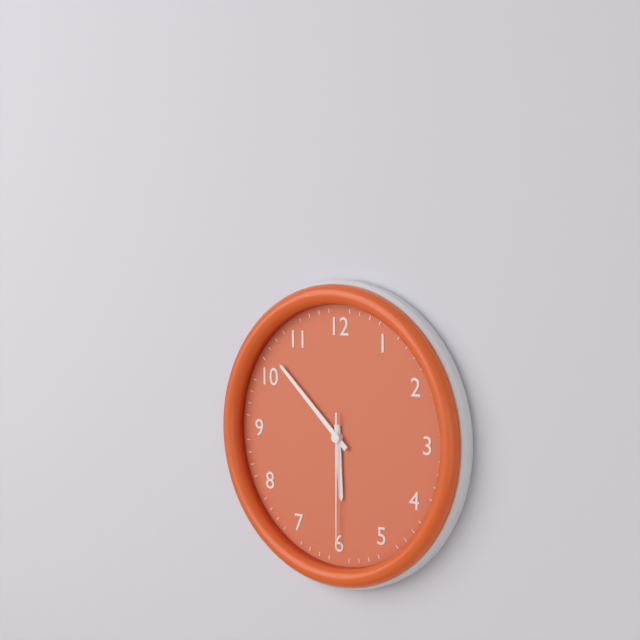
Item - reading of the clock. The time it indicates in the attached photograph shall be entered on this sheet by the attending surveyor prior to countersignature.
5:52:30
